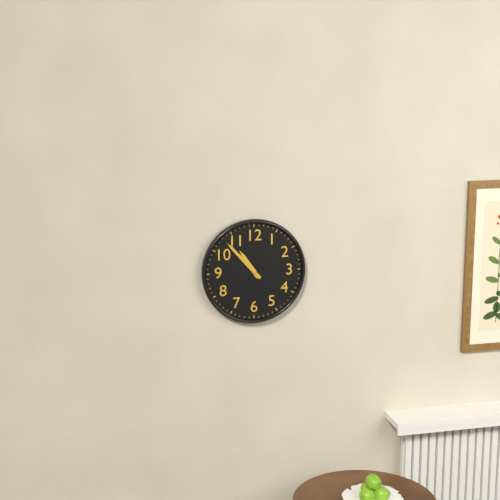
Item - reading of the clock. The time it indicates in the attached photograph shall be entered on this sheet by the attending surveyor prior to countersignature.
10:53
